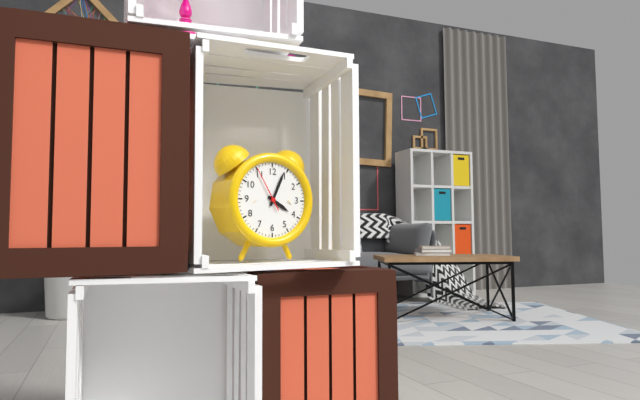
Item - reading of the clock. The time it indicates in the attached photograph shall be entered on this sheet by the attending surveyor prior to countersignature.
4:04
